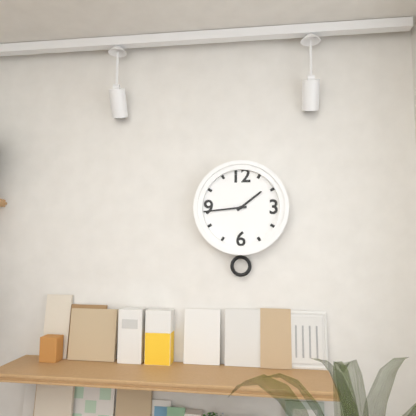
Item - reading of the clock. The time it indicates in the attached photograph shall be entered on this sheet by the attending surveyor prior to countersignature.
1:44
